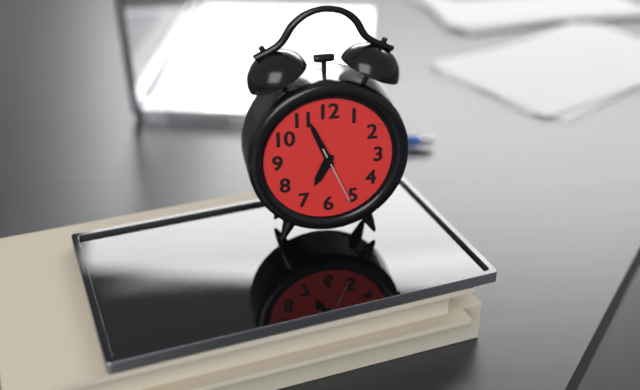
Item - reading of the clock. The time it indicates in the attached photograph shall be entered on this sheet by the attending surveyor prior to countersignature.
6:56:26
